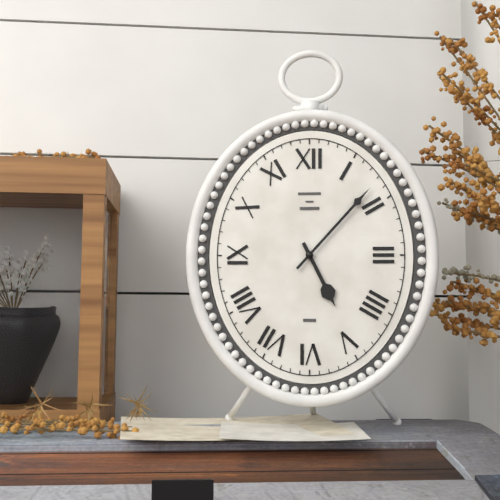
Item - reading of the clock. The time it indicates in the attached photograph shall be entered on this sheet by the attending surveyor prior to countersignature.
5:07
